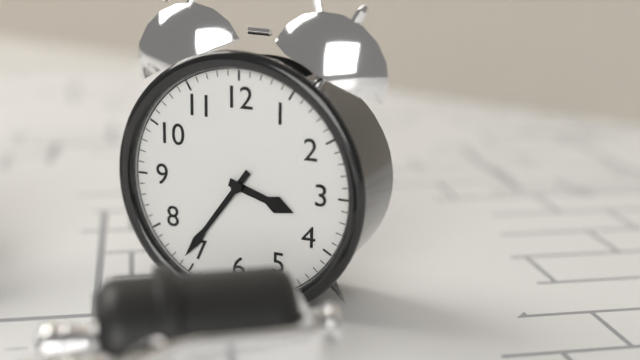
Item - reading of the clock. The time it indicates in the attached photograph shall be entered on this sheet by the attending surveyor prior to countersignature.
3:36
